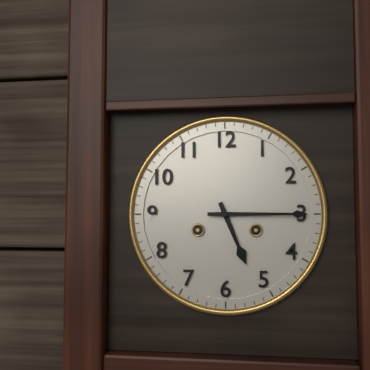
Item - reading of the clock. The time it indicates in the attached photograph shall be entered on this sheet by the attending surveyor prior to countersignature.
5:15
